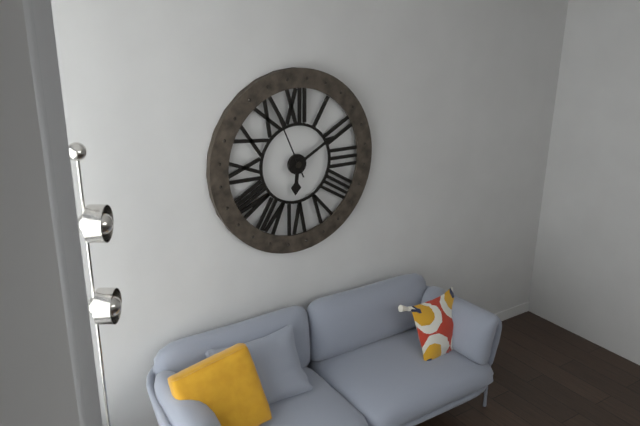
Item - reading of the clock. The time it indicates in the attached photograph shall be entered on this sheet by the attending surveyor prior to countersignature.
6:10:56
